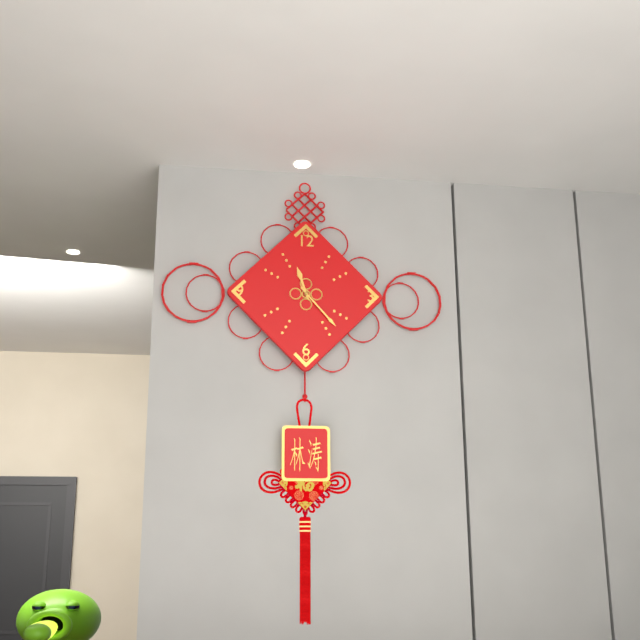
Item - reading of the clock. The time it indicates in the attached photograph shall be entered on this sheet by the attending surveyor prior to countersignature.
11:23
